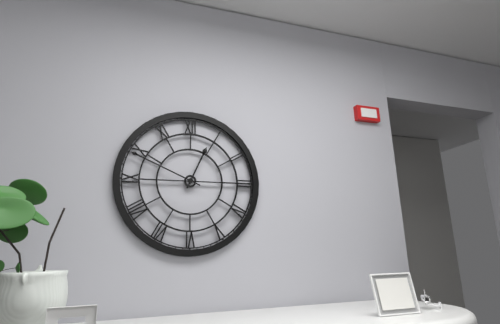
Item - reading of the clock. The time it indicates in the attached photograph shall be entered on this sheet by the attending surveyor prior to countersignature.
12:49
